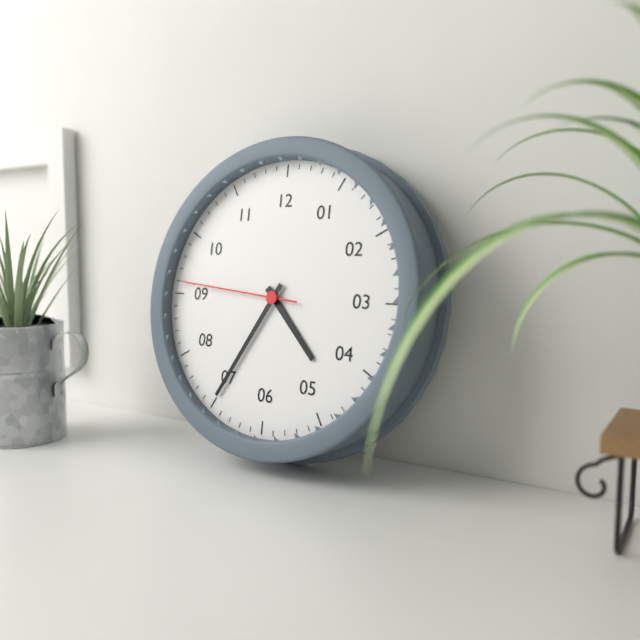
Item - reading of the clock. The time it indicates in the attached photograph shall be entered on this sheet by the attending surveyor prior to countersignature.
4:35:46
